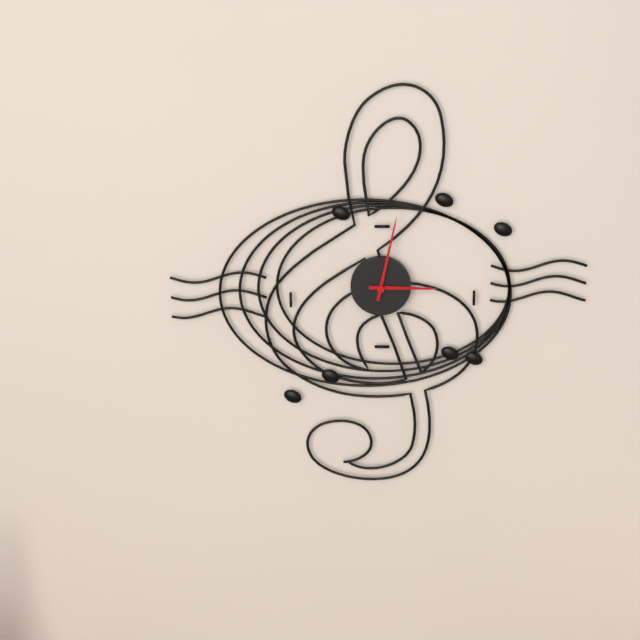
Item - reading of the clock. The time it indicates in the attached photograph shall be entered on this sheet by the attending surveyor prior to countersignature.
3:02
